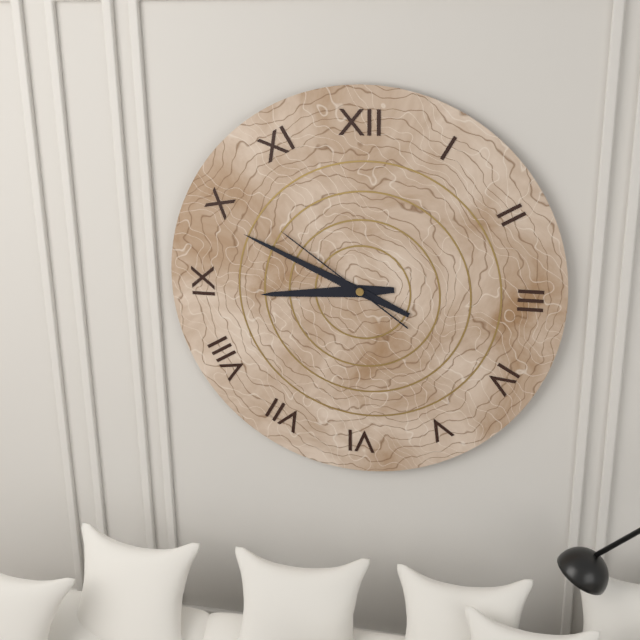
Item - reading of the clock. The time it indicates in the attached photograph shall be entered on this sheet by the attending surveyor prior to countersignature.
8:49:51
